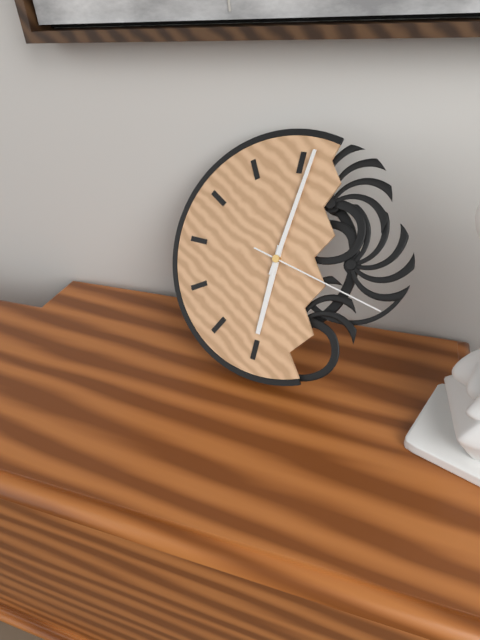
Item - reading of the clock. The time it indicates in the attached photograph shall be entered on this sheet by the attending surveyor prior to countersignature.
6:01:17
